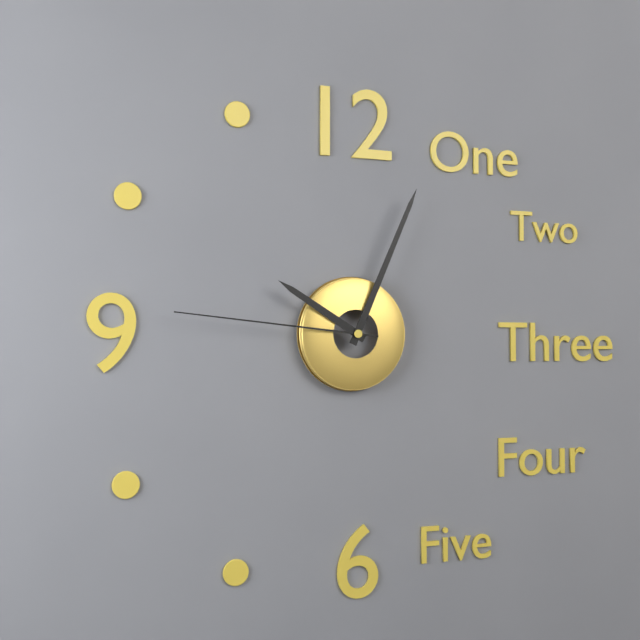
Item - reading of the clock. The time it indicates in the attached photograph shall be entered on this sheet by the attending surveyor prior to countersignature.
10:04:46
